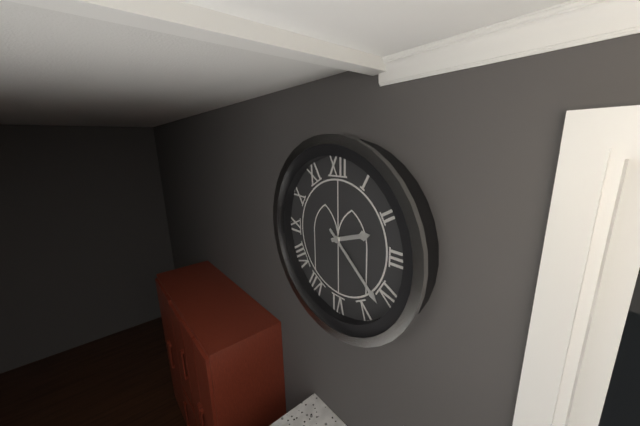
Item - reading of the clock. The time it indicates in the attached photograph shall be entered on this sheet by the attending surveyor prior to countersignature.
2:22
